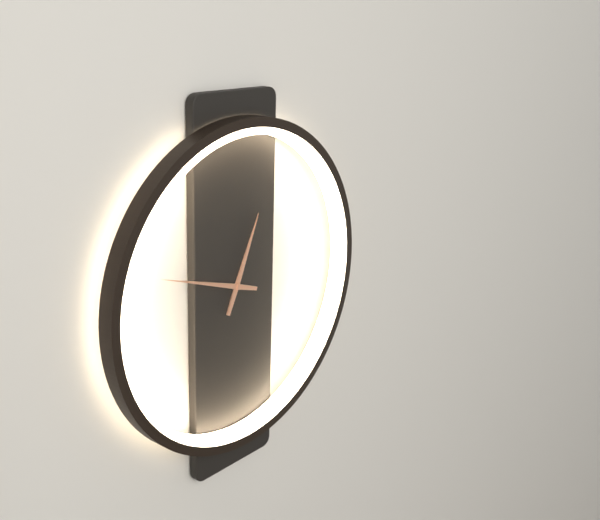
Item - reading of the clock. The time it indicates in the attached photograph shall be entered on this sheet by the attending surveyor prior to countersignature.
12:48
